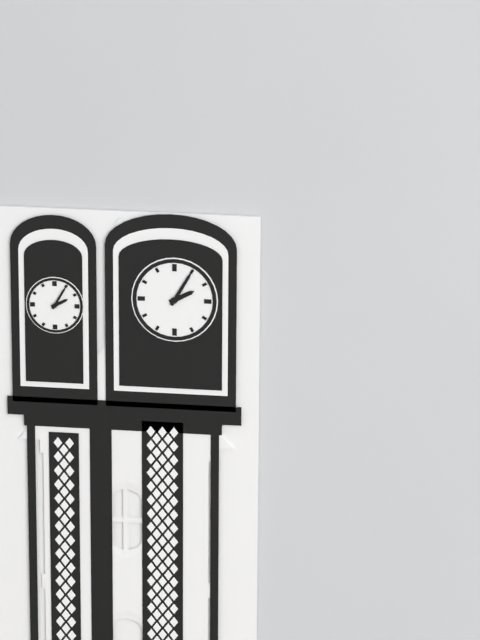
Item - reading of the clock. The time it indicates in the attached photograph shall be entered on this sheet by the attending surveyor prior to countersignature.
2:05
